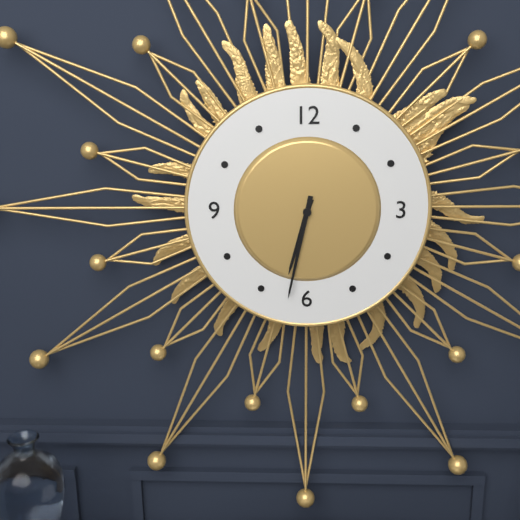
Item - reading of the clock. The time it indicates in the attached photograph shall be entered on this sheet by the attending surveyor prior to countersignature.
6:32
